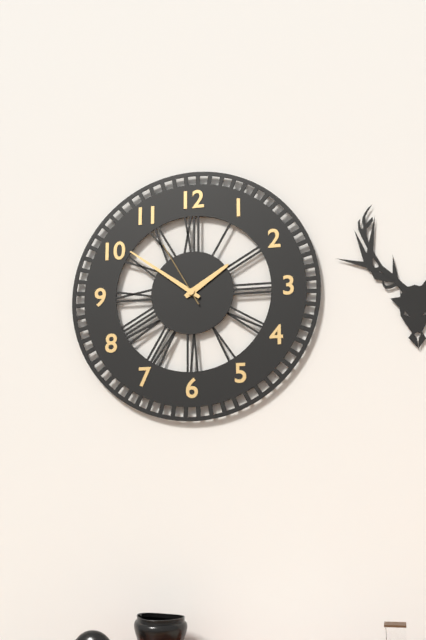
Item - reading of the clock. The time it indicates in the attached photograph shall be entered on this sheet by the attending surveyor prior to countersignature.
1:51:55
